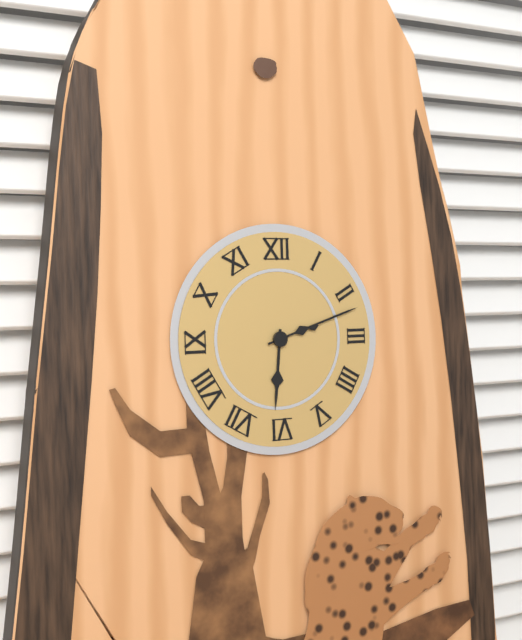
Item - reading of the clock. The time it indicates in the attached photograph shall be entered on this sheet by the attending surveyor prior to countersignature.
6:12
